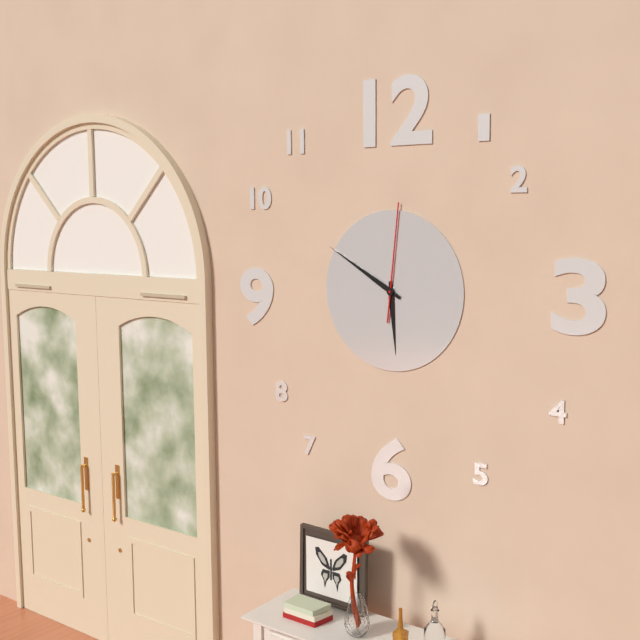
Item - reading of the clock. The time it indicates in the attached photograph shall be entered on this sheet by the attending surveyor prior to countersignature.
5:50:01
